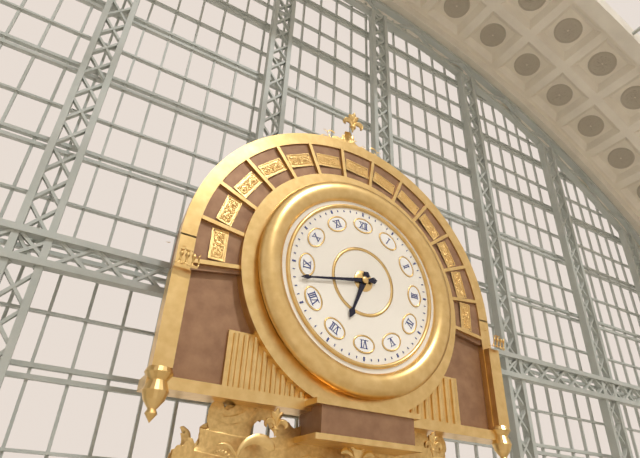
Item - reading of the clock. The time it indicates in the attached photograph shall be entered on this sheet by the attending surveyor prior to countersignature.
6:43
